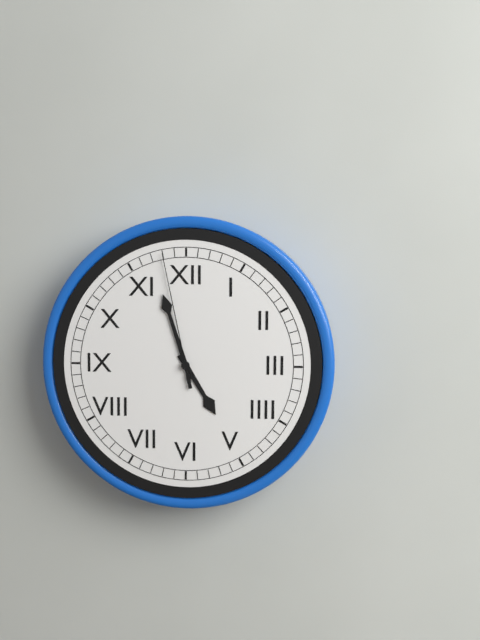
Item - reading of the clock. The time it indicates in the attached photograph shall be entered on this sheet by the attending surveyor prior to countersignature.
4:57:58
